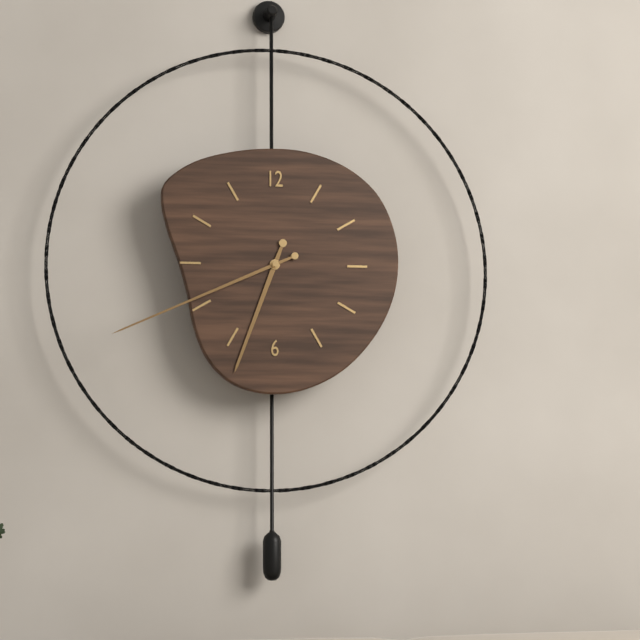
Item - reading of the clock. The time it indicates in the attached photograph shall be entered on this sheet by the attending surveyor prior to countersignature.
6:41
